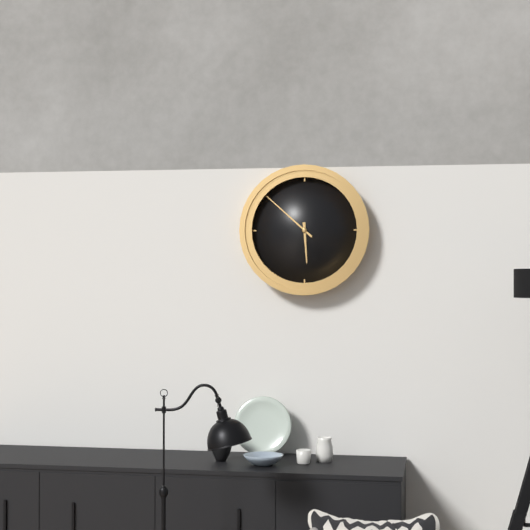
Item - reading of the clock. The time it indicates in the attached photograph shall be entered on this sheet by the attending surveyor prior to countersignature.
5:52
